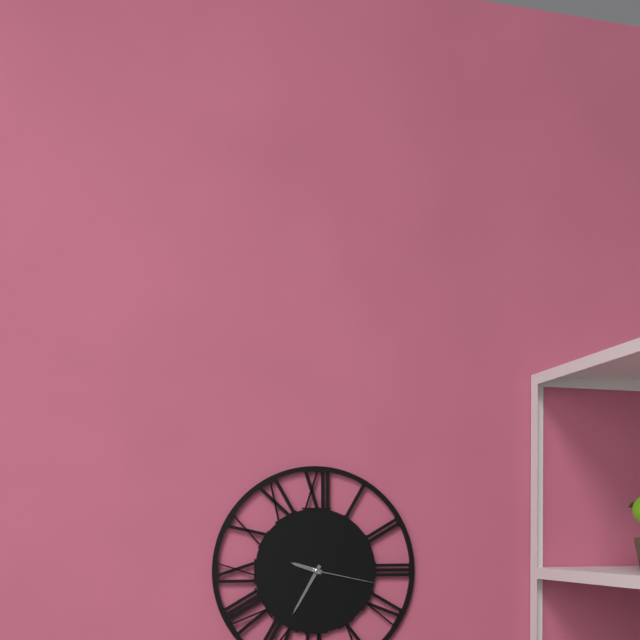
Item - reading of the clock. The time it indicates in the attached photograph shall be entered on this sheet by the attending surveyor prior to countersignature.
9:35:17
